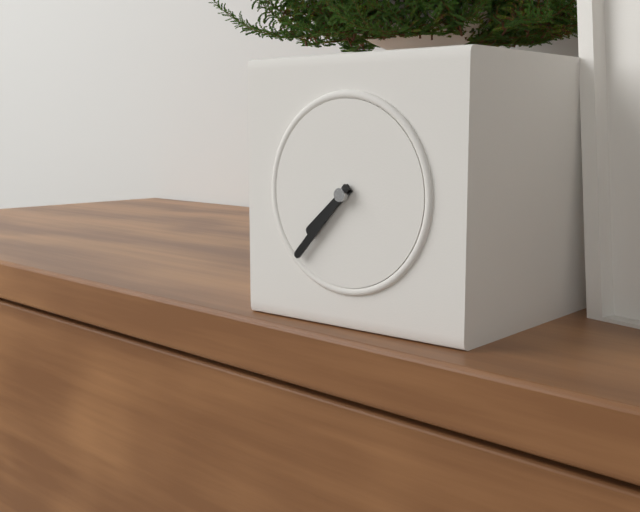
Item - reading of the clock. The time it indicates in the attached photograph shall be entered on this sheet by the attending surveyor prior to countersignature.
7:37
